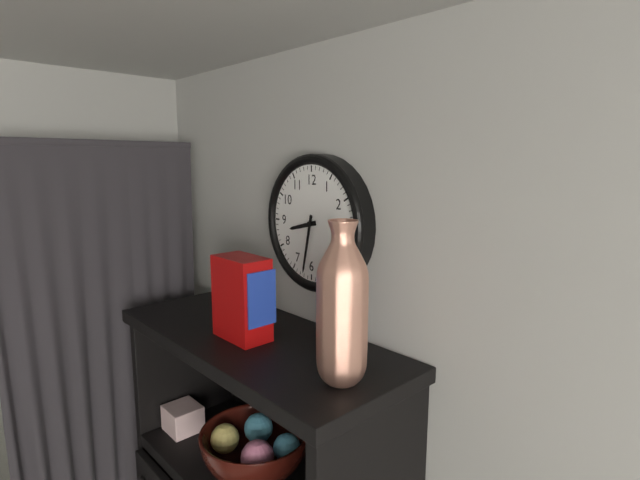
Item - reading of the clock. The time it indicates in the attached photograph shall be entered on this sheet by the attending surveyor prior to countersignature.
8:32
